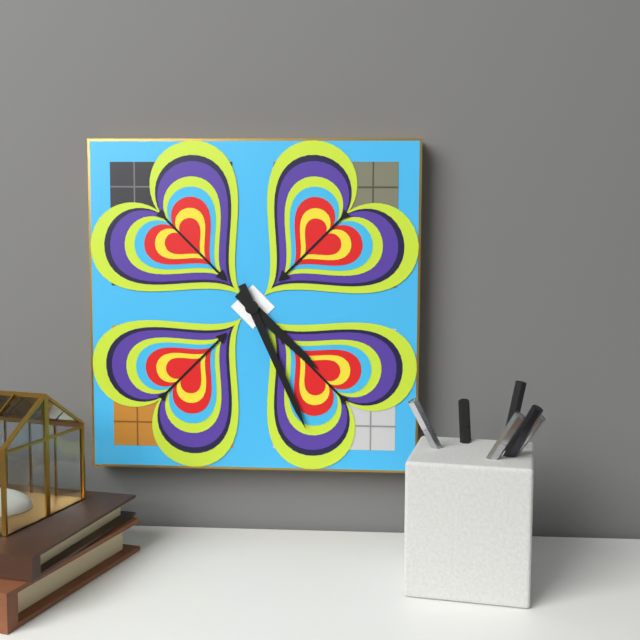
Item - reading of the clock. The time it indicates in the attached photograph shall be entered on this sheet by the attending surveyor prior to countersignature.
4:26
